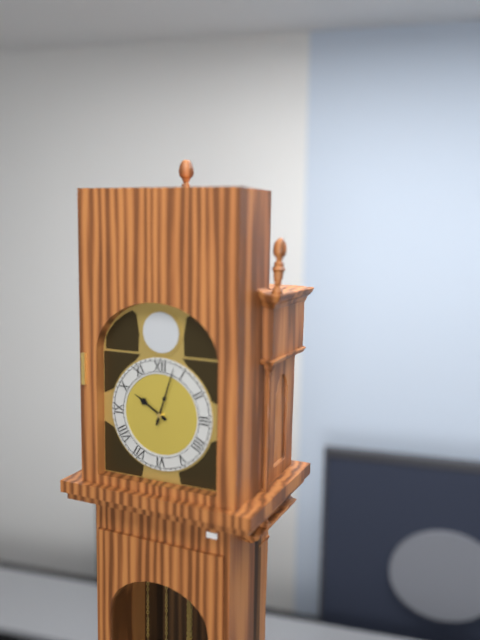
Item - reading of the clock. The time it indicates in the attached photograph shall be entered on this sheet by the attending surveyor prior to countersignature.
10:03
